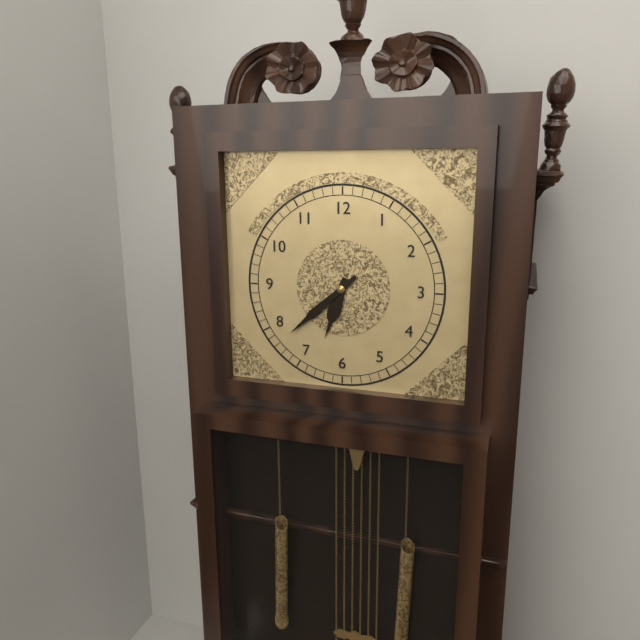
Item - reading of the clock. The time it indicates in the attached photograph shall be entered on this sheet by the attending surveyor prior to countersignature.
6:38
